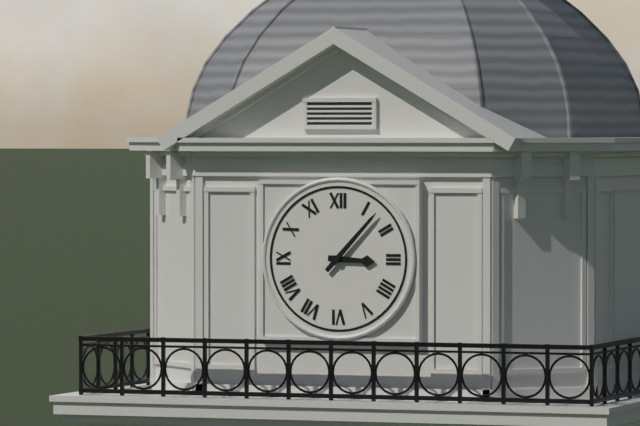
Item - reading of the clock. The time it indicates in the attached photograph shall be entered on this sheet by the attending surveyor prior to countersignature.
3:07
